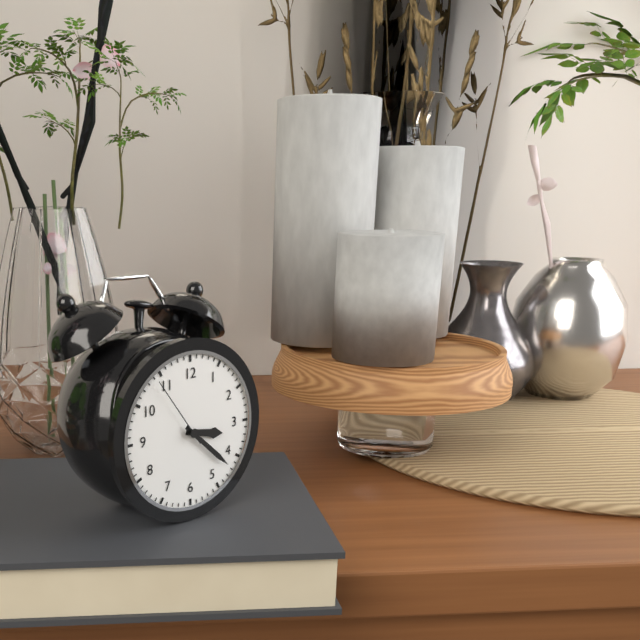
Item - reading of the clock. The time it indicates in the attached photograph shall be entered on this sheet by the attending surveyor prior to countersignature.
3:22:54
